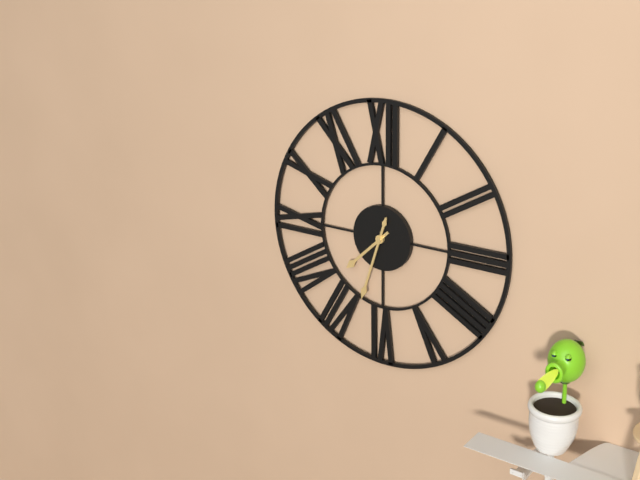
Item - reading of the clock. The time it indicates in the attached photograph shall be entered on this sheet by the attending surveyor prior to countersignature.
7:33
